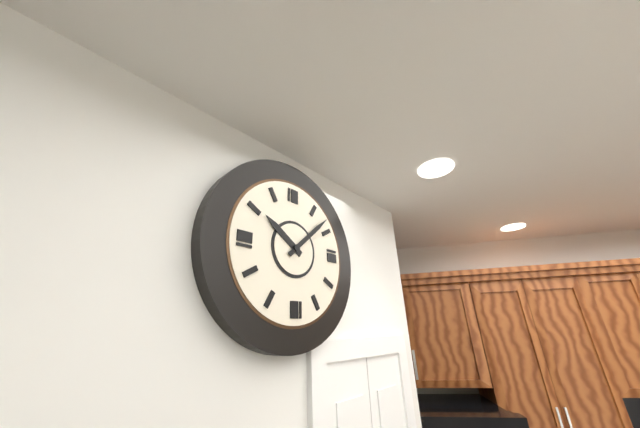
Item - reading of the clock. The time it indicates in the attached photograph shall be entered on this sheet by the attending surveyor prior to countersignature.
10:08
